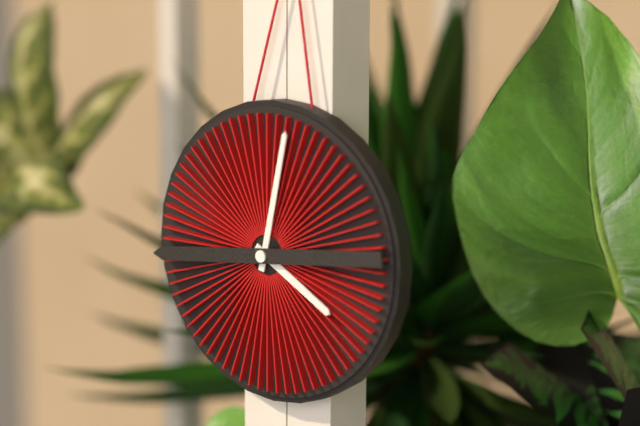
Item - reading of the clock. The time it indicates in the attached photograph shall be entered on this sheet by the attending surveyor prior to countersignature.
4:02:44
